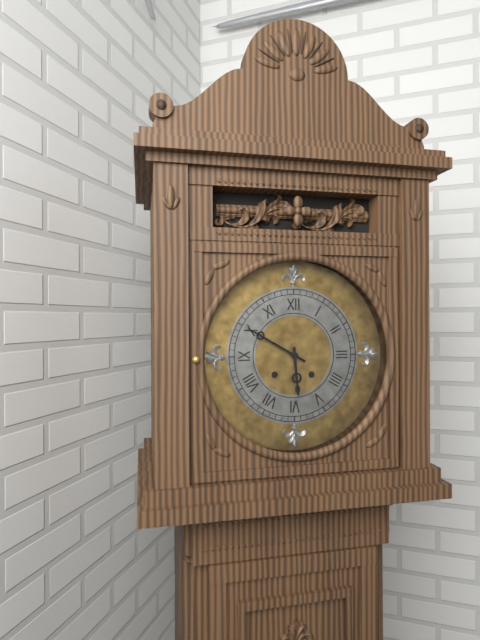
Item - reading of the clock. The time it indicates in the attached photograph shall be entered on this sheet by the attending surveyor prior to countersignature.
5:50
